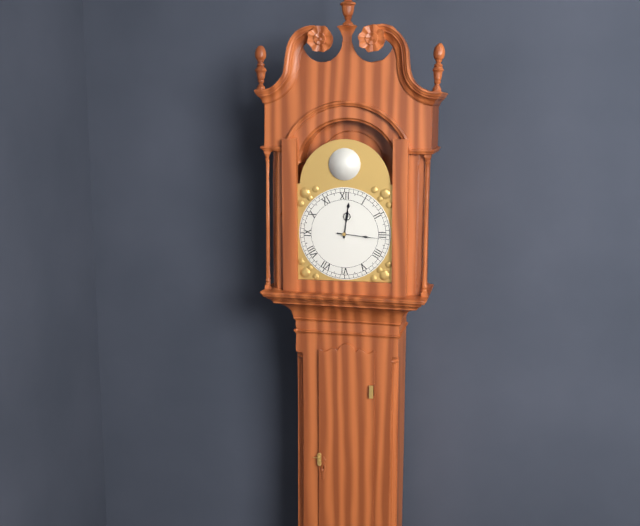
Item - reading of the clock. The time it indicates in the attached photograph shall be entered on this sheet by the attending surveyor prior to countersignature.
12:16
